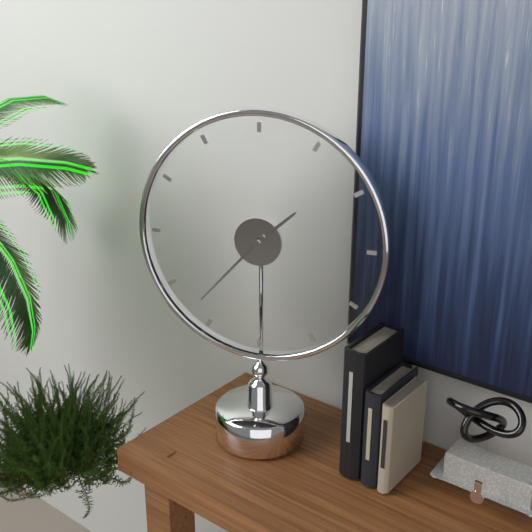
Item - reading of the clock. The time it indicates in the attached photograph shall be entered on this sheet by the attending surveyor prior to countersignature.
1:37
